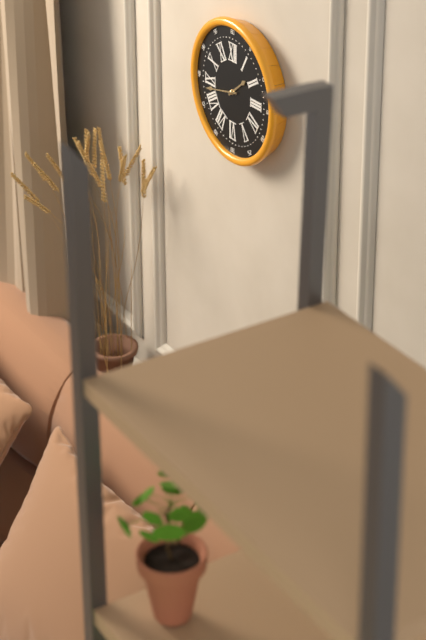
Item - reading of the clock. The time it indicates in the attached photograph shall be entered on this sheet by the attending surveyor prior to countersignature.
1:43
